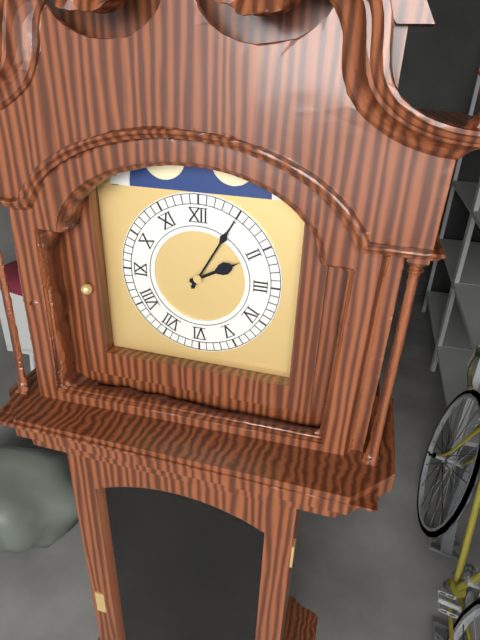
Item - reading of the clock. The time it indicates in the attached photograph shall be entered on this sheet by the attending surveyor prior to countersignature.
2:05
